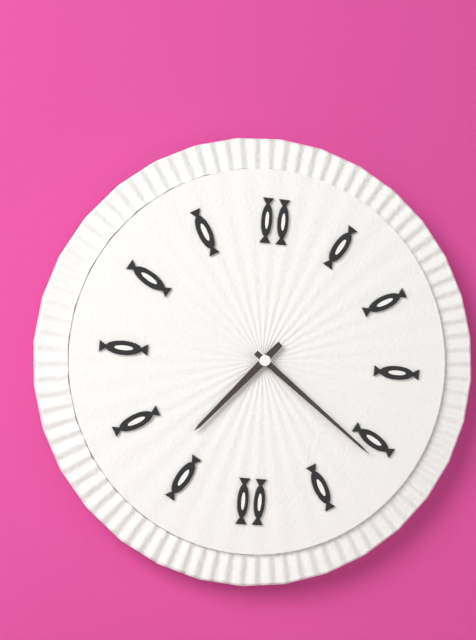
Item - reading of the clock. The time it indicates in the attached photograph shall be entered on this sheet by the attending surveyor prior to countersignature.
7:21
